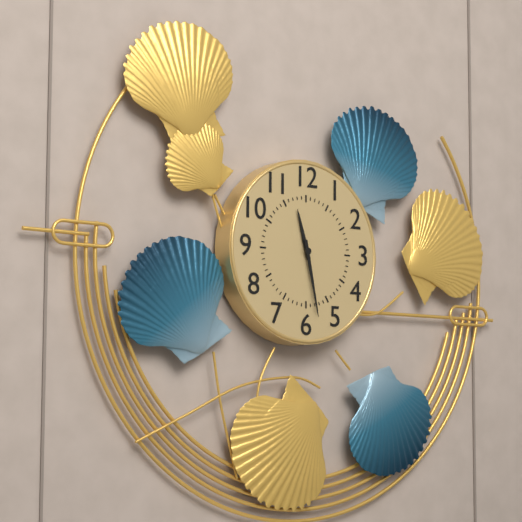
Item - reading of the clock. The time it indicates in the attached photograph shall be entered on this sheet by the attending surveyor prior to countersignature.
11:28
